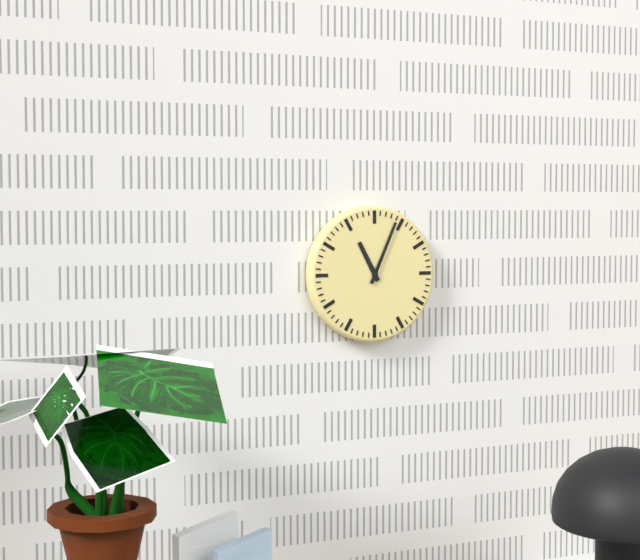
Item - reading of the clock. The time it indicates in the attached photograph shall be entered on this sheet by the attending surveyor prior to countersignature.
11:04
